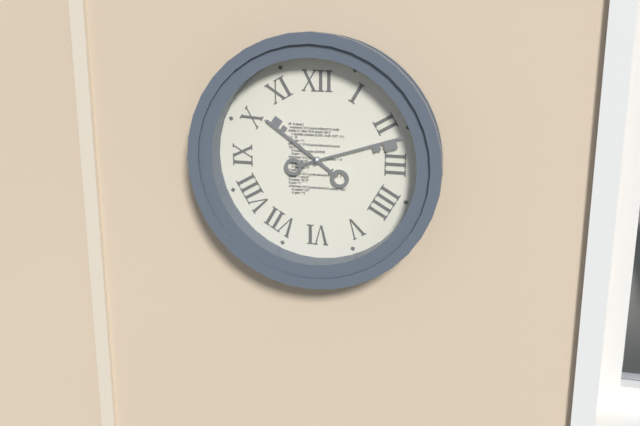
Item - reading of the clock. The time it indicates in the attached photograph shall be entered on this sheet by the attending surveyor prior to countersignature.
10:12
